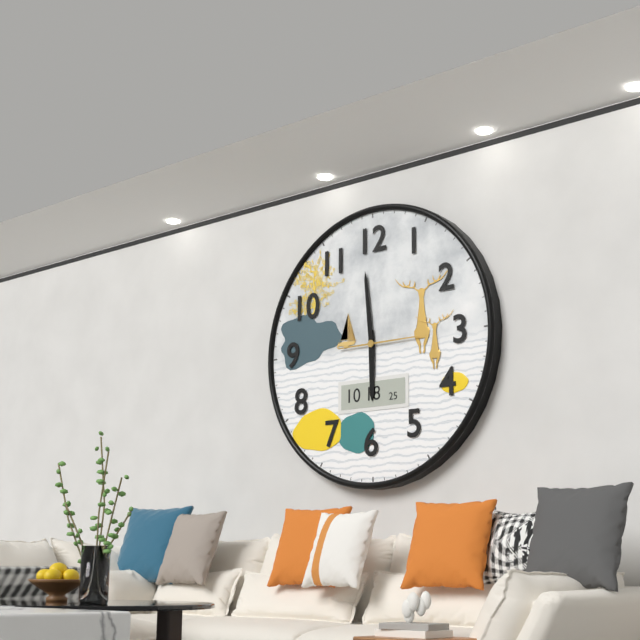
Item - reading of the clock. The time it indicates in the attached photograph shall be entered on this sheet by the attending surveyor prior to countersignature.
5:59:15
